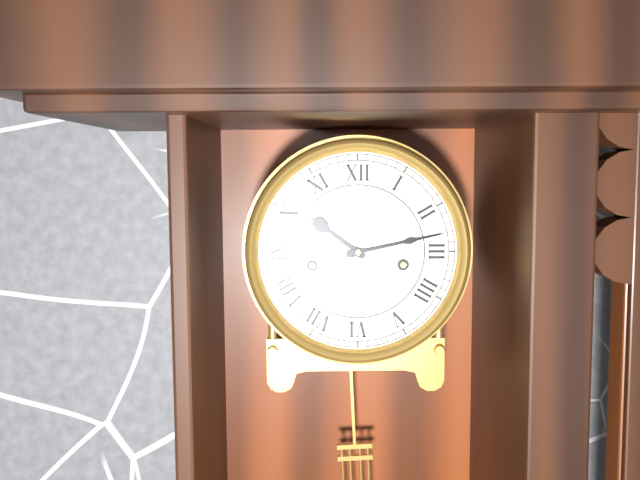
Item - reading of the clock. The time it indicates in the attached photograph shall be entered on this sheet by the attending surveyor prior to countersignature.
10:13
